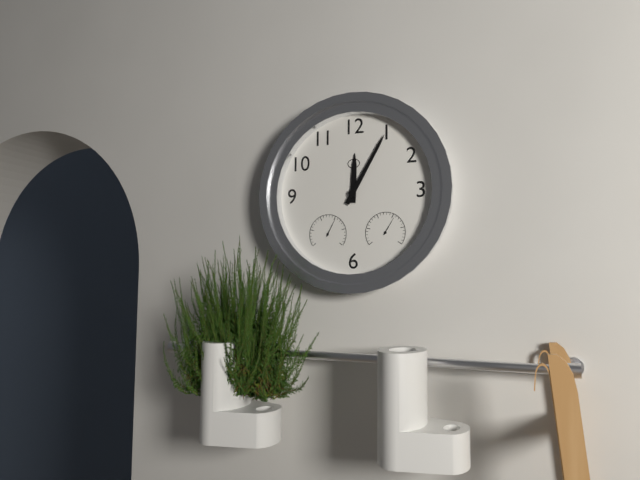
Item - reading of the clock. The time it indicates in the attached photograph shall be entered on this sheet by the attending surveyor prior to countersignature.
12:05
